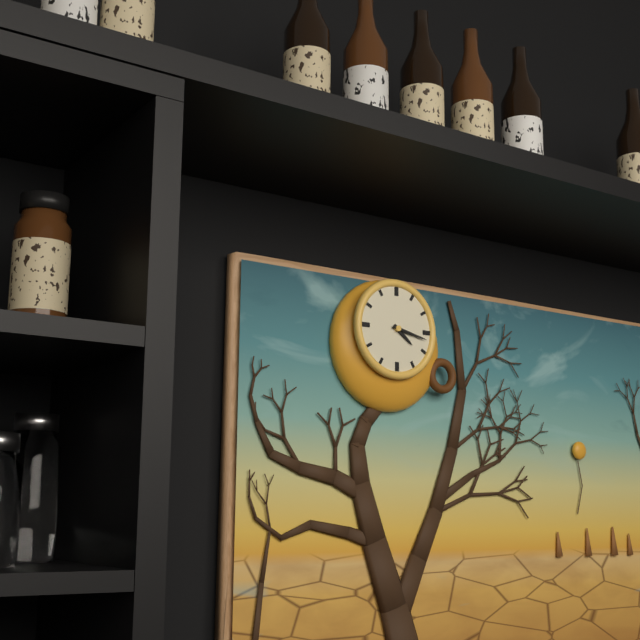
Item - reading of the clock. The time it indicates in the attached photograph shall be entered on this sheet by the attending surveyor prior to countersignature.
4:17
